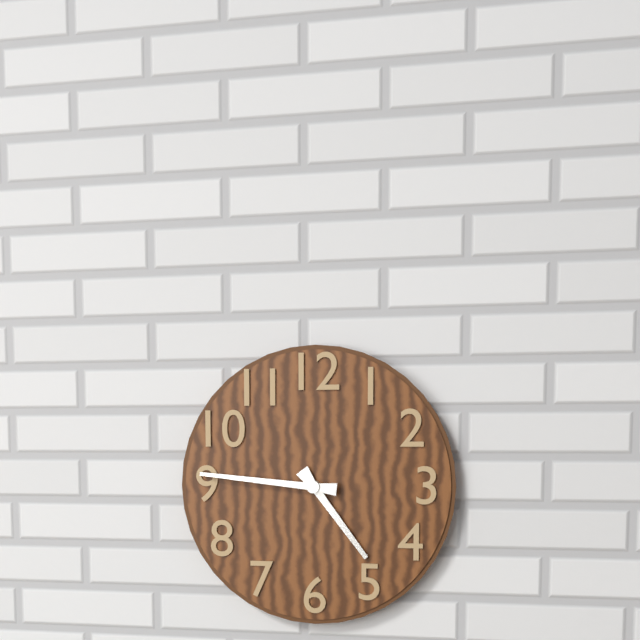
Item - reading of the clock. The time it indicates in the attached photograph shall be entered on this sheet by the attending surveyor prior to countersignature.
4:46
